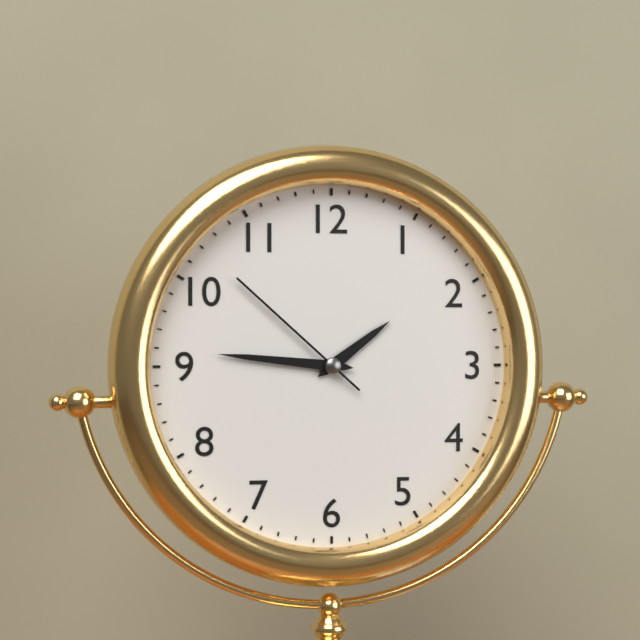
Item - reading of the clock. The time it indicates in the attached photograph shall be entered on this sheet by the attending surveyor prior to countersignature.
1:46:52
